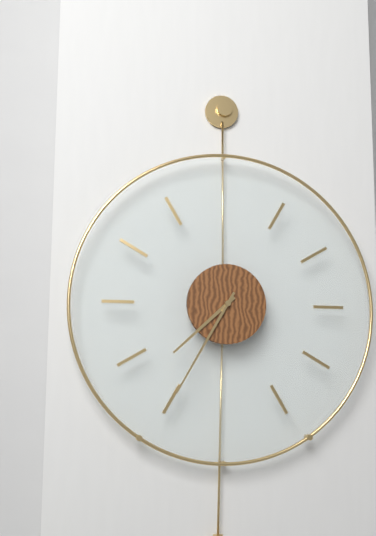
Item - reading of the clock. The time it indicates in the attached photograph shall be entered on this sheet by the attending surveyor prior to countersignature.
7:35
